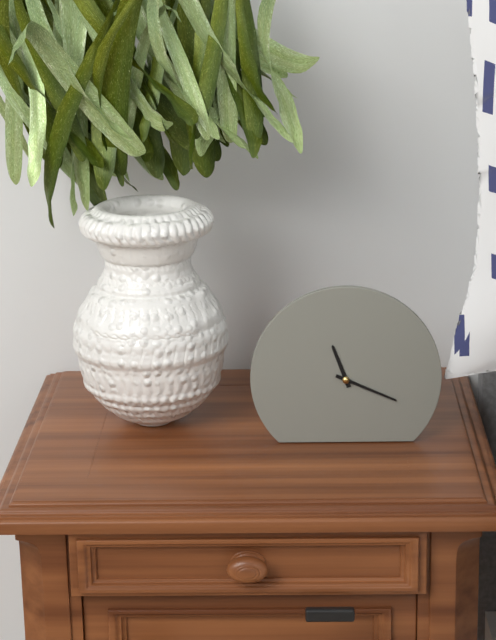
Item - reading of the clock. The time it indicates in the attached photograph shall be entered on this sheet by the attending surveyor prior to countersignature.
11:19
